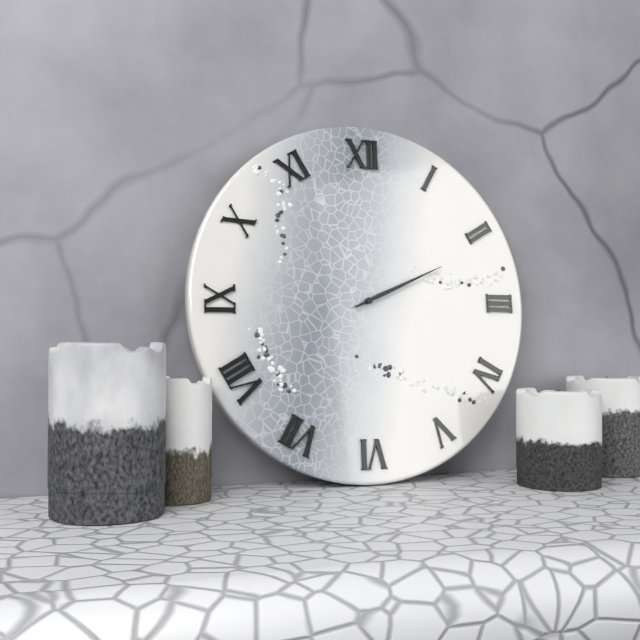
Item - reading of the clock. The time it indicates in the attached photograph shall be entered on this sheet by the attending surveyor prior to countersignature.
2:11
